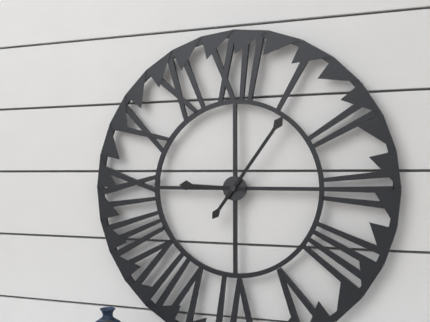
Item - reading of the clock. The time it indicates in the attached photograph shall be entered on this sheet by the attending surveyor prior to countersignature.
9:06
